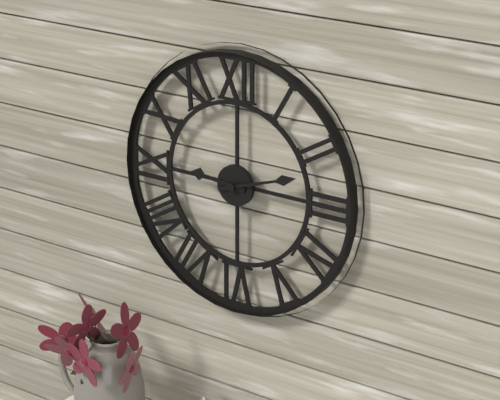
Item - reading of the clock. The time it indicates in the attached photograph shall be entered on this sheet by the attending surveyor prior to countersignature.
9:12
